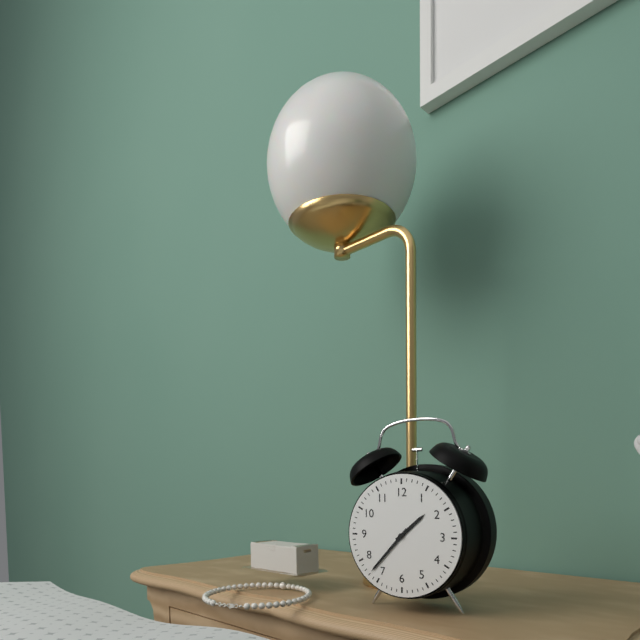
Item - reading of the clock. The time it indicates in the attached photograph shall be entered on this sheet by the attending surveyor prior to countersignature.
1:37
